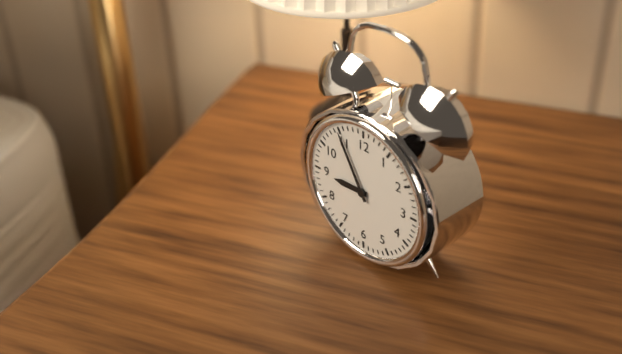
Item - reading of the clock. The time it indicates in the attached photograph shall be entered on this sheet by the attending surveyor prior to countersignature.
8:55
